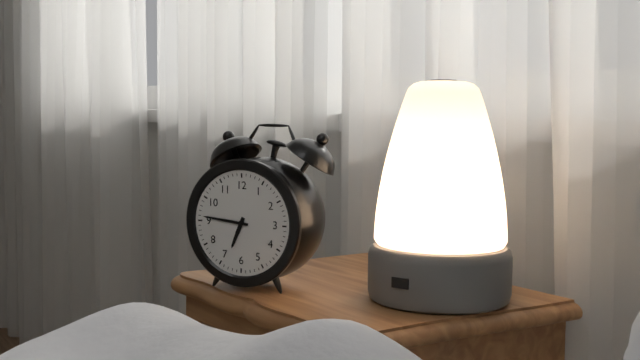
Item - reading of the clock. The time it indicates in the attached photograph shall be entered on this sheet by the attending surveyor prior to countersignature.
6:46
